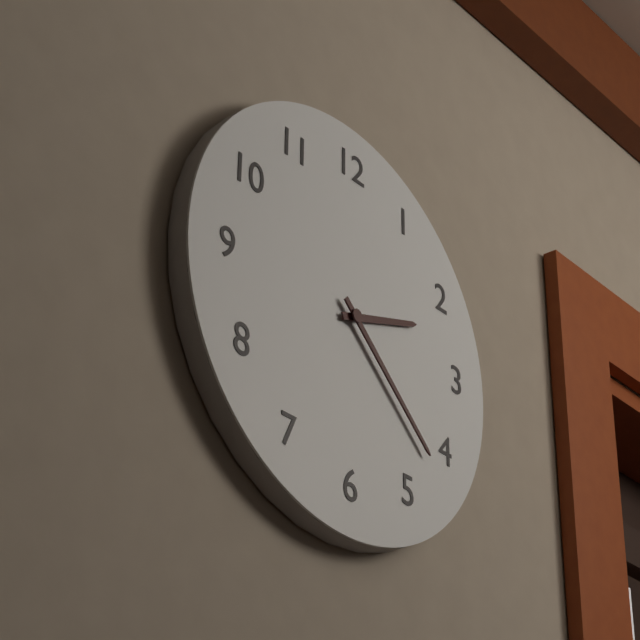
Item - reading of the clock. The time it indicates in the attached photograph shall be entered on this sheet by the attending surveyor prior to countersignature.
2:22
